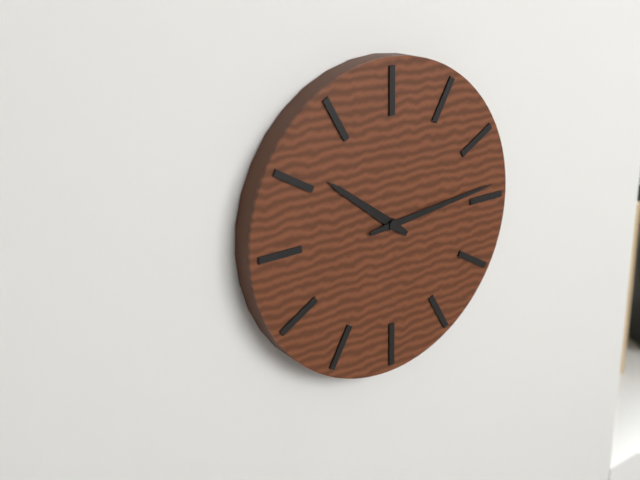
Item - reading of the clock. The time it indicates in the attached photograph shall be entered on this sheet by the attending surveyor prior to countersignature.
10:14
